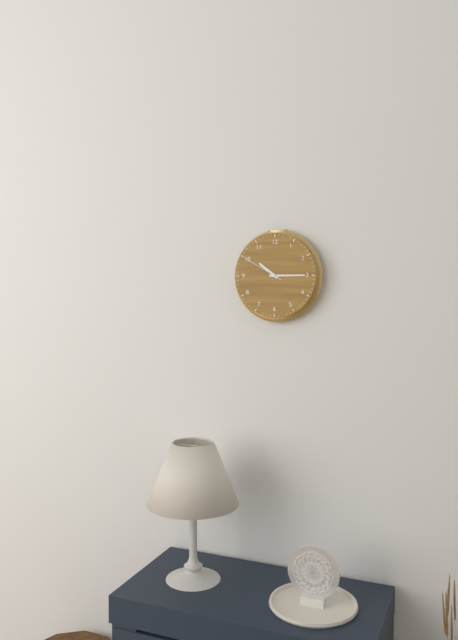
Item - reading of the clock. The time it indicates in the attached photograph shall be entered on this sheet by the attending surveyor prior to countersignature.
10:15
